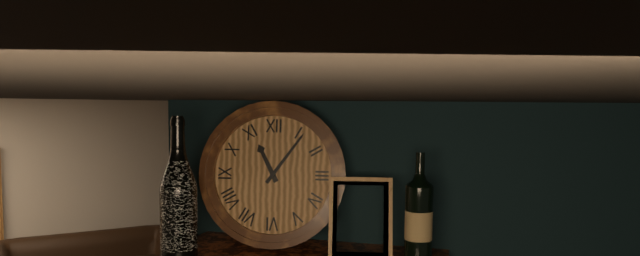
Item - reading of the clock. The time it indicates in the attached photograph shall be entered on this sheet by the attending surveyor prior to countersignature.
11:06
